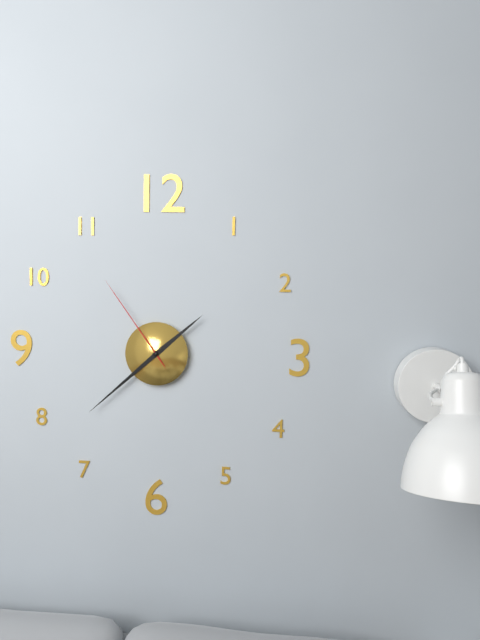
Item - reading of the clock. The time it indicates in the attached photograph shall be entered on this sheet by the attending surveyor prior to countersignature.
1:38:54
